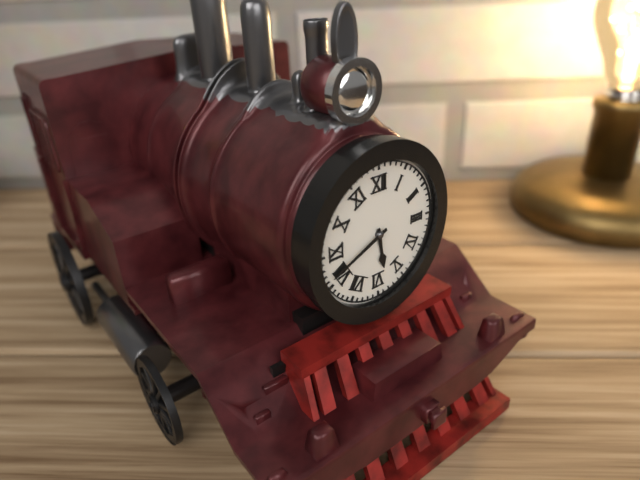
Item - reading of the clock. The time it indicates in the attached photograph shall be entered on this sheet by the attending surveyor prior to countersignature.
5:41
